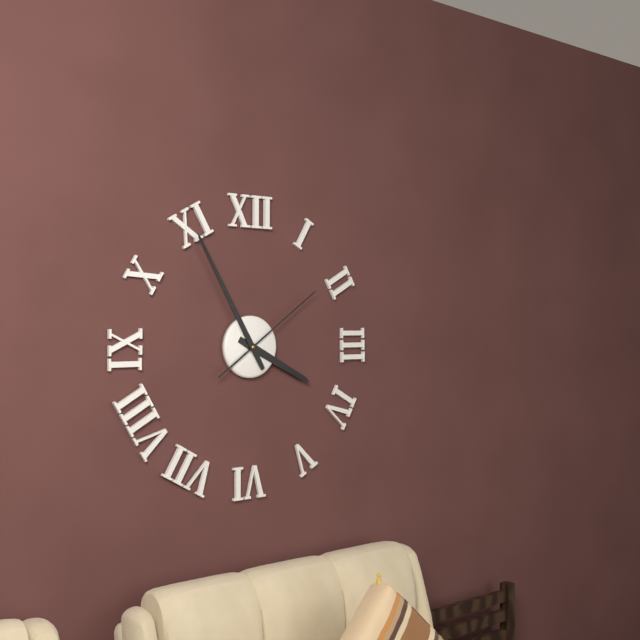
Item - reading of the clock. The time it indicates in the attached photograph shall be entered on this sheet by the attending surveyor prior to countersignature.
3:55:09
